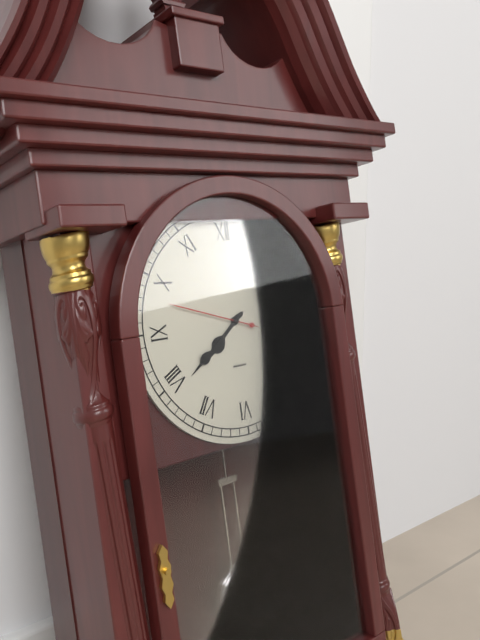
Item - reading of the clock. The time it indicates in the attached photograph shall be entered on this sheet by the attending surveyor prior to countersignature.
7:39:48
